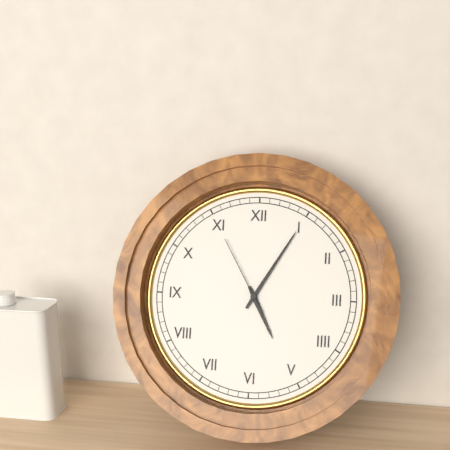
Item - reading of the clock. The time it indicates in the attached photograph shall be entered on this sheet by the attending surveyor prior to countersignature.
5:05:55
